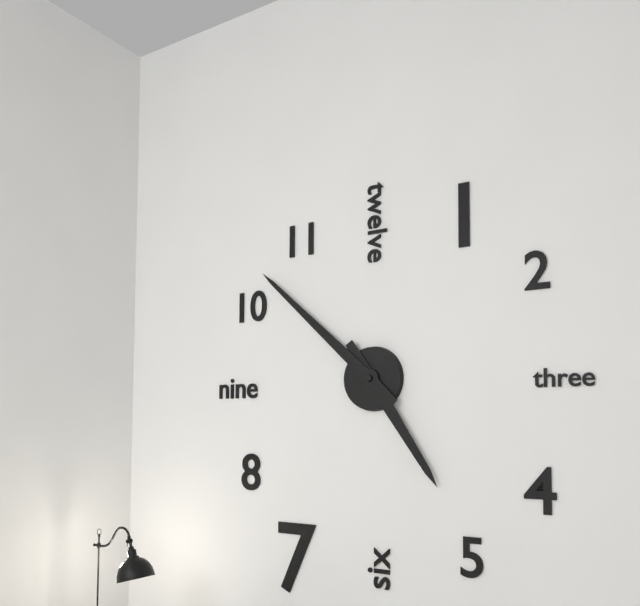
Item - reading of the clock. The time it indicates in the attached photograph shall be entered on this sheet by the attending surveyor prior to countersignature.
4:52
